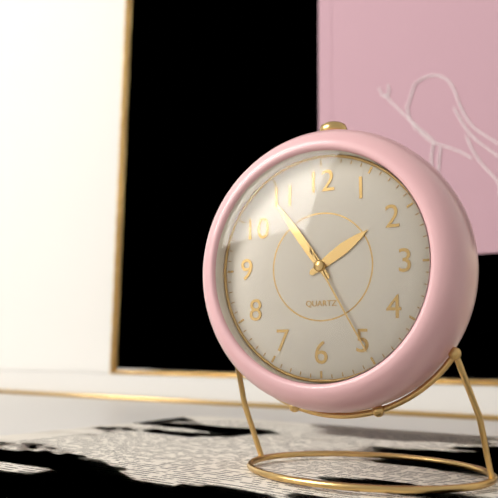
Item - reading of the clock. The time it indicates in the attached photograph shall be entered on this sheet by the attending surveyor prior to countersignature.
1:54:25
